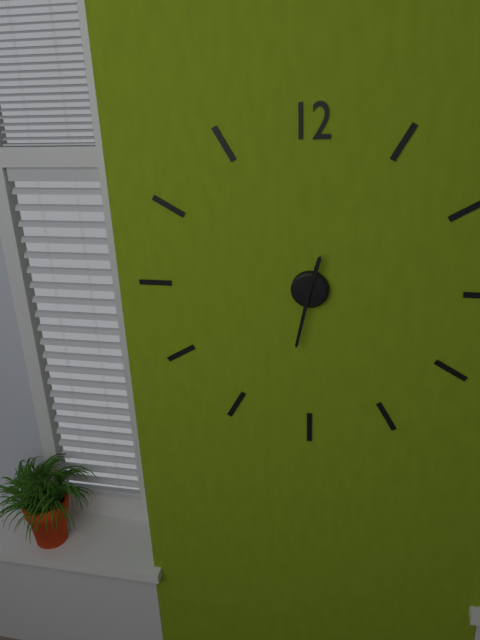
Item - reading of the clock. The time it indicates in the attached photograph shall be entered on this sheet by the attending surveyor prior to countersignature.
12:32
